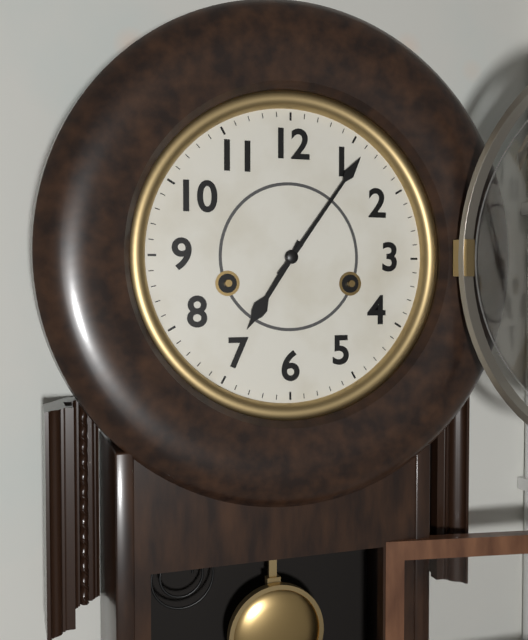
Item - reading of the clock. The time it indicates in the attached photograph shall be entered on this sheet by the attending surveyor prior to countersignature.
7:06
